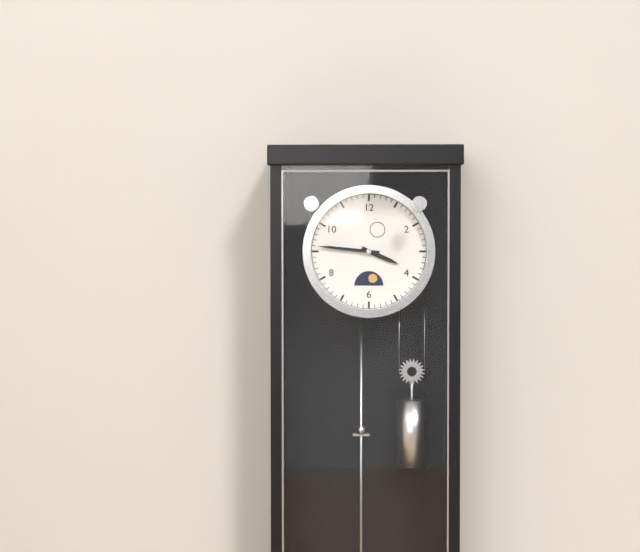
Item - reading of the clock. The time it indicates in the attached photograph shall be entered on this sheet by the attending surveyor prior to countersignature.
3:46
